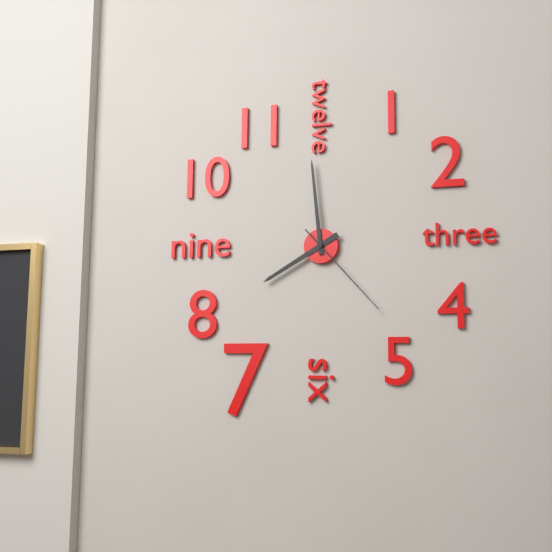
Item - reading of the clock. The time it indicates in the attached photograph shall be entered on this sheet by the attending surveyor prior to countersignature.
7:59:23
